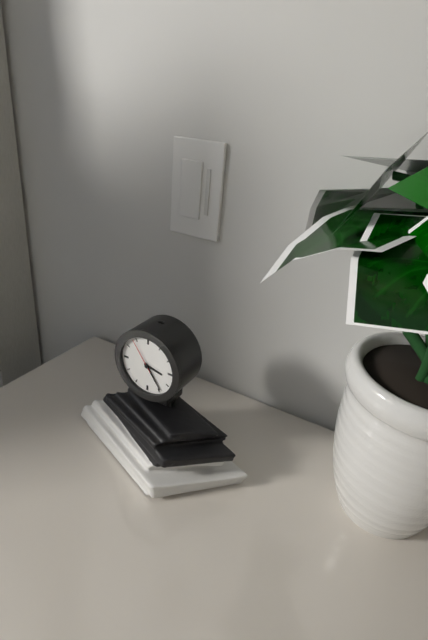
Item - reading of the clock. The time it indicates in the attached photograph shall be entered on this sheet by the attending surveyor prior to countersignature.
3:24
